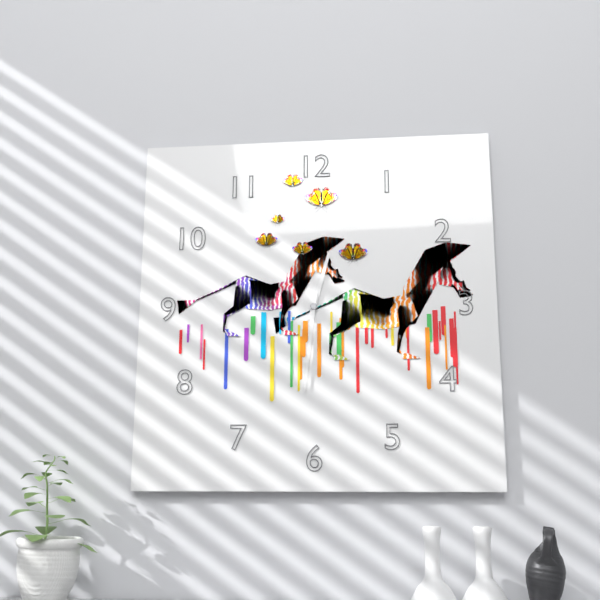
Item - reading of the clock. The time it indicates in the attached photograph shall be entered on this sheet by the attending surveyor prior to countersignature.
12:31
